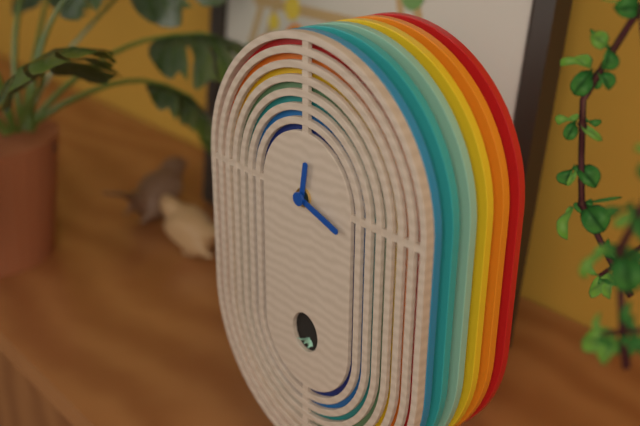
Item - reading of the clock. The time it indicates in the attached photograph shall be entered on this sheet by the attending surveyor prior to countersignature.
12:18
